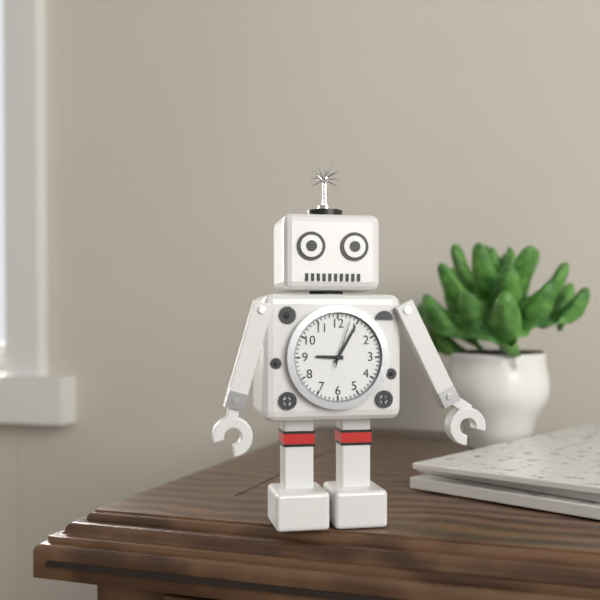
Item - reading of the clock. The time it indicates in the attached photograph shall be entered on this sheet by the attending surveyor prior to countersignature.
9:05:03
